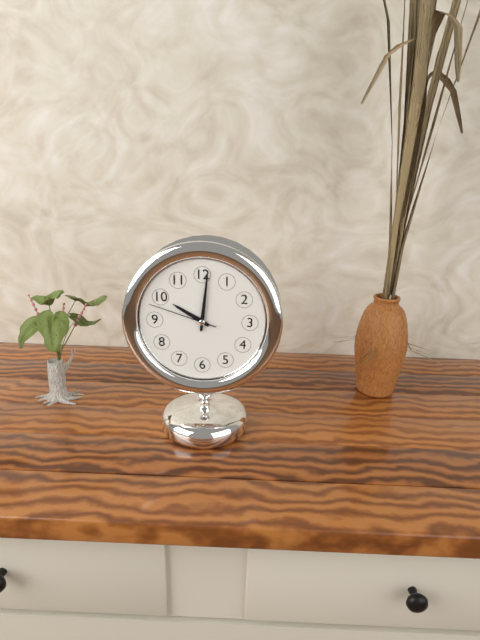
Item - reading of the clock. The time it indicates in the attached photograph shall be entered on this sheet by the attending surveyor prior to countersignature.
10:01:48
